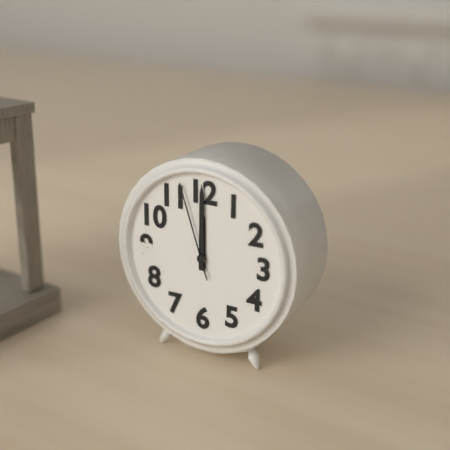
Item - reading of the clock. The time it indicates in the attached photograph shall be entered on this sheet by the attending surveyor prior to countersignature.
12:00:57
